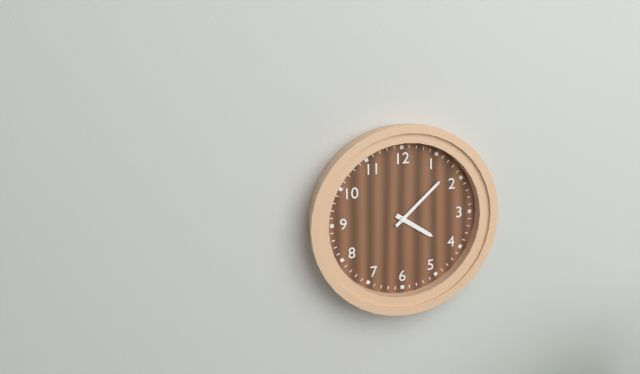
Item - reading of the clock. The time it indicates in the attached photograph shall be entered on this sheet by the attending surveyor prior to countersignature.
4:08
